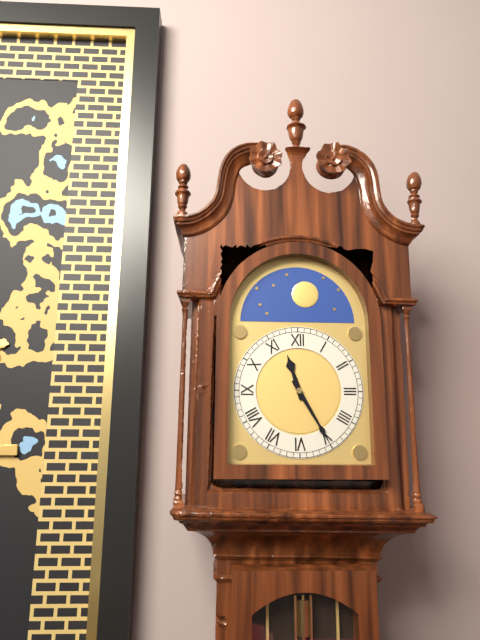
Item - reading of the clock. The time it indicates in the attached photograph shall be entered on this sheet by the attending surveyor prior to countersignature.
11:25
